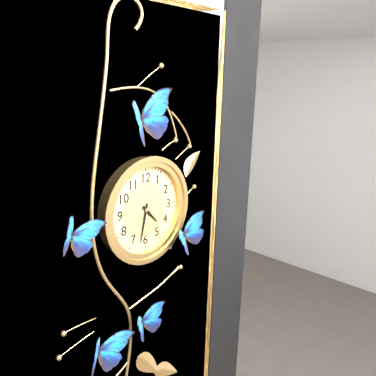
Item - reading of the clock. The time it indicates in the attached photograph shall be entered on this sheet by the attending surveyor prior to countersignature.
4:32
